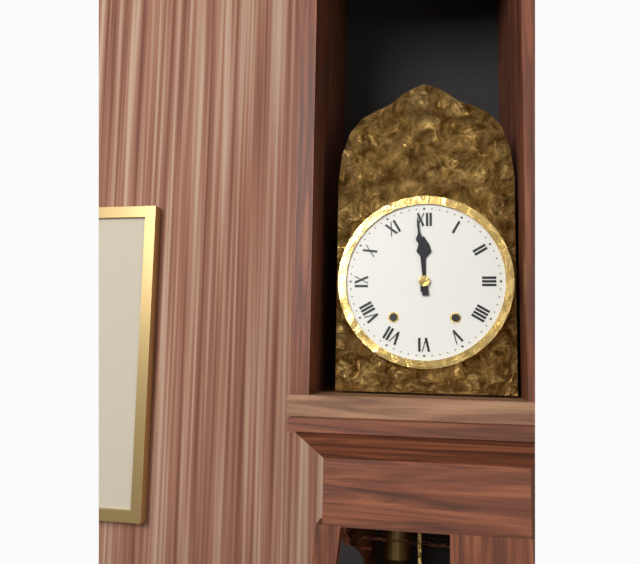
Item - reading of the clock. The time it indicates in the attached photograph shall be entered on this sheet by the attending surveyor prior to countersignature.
11:59
